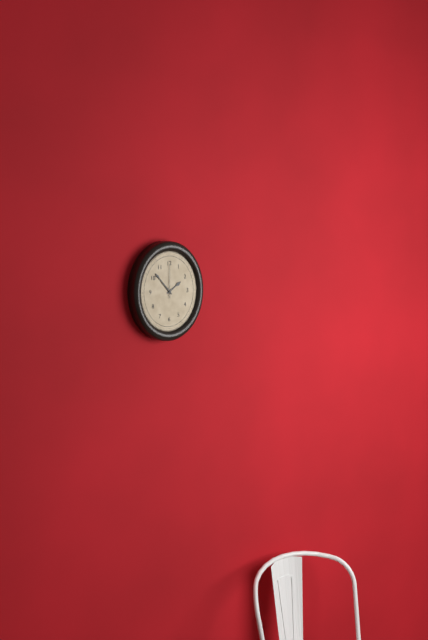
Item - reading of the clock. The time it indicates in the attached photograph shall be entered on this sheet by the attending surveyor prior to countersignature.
1:53
